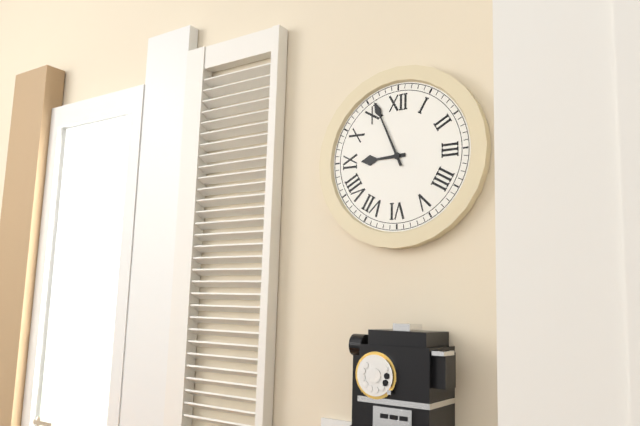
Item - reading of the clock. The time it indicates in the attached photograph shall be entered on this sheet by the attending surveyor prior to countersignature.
8:56
